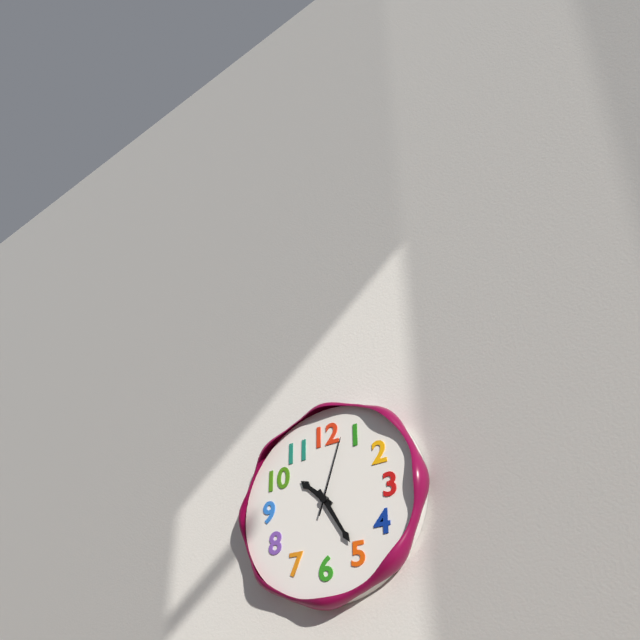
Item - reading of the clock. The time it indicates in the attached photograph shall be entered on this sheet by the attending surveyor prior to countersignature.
10:25:03
